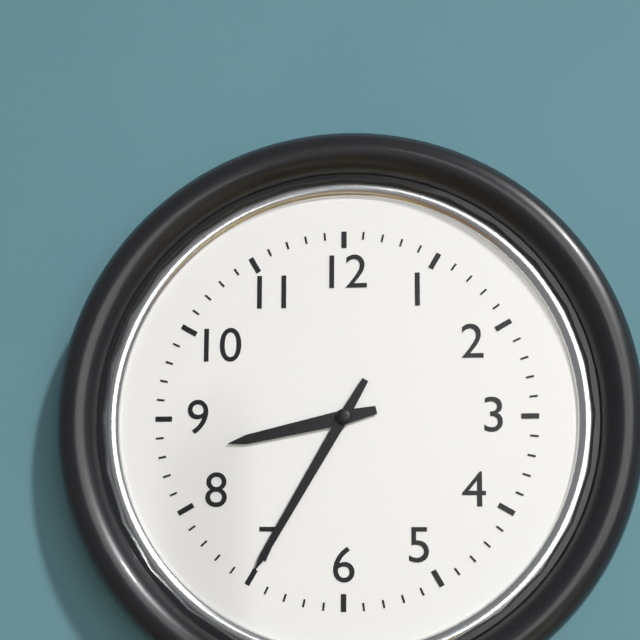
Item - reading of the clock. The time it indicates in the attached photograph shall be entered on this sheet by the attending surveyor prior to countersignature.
8:35
